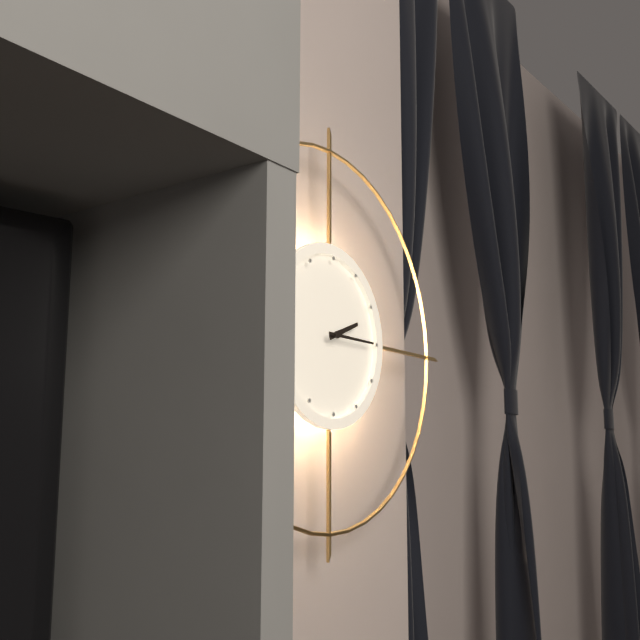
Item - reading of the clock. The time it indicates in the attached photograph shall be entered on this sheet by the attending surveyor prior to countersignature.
2:15
